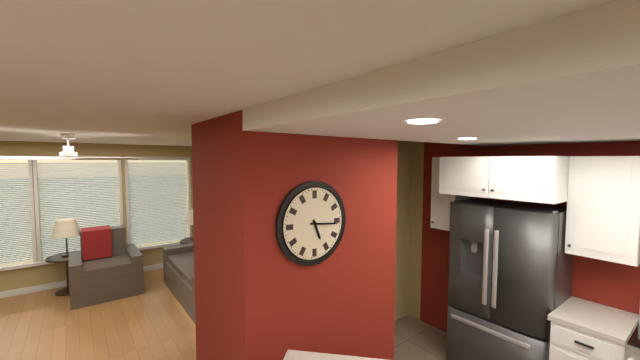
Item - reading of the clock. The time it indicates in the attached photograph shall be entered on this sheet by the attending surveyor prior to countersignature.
5:16
